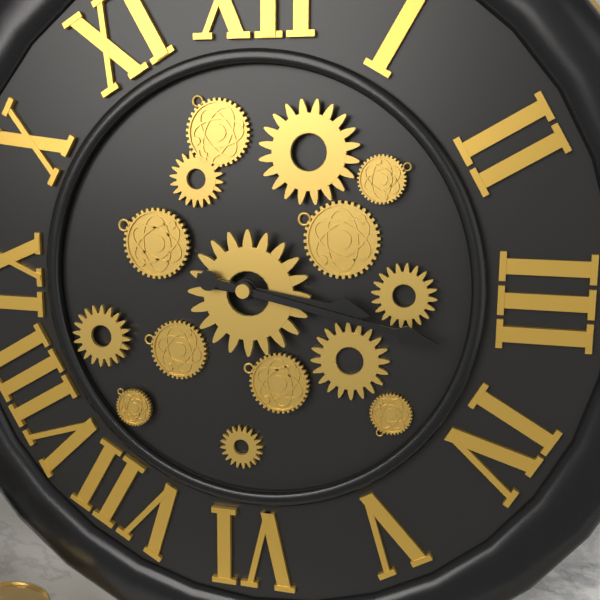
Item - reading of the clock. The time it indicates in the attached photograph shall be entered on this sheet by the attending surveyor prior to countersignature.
3:17
